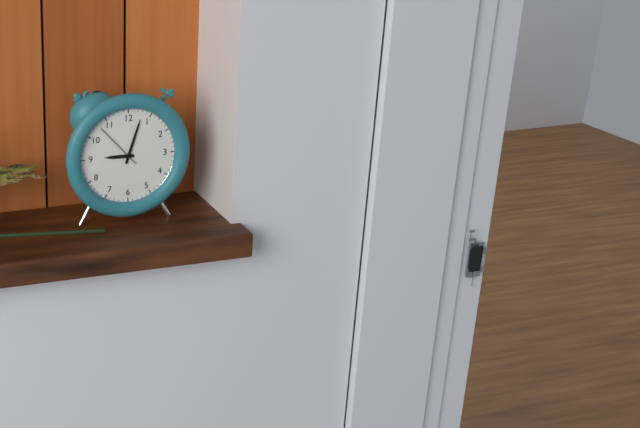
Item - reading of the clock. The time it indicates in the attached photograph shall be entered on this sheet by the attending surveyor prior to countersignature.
9:03
